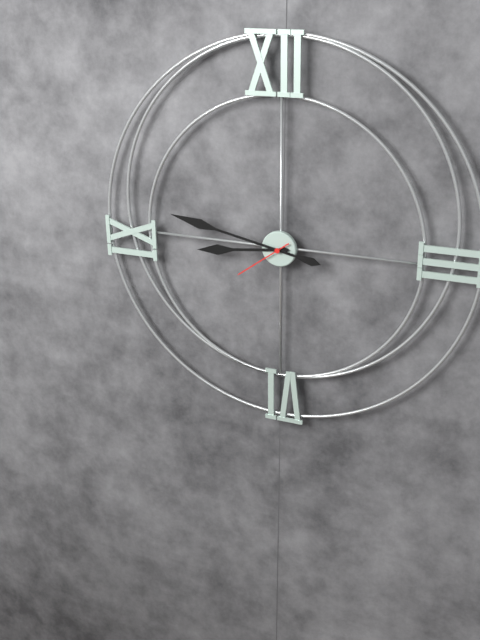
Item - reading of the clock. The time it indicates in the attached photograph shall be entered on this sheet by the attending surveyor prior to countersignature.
8:47:39
